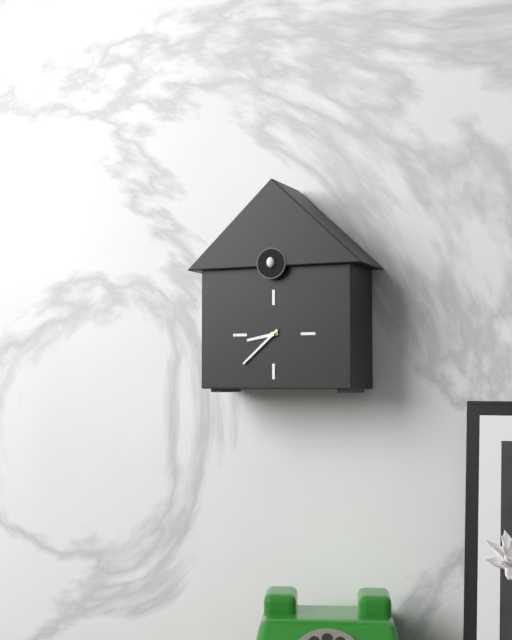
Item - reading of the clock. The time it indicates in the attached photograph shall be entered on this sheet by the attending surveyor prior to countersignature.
8:38
